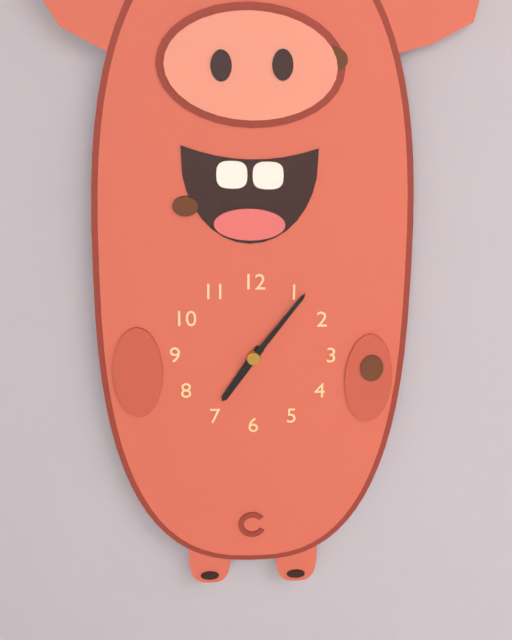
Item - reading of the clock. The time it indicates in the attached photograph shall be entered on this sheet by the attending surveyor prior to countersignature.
7:06
